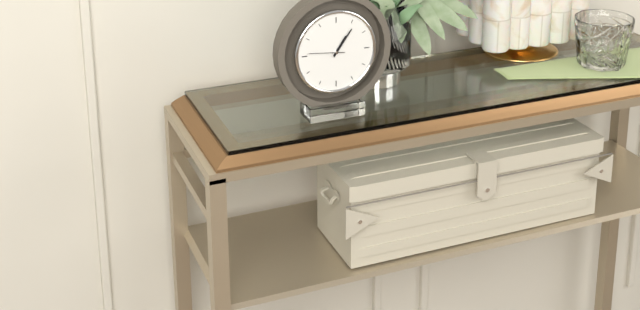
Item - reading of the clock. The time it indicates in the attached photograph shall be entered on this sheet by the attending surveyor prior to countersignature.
1:06
